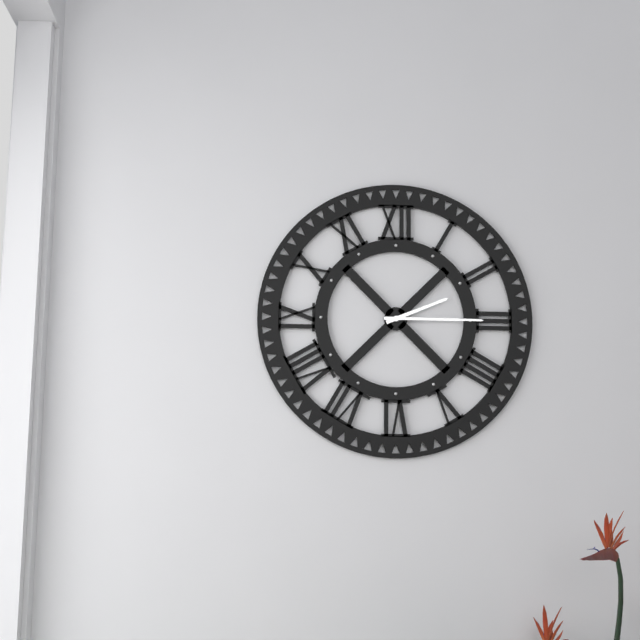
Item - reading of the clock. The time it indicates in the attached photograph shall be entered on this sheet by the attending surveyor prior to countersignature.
2:15
